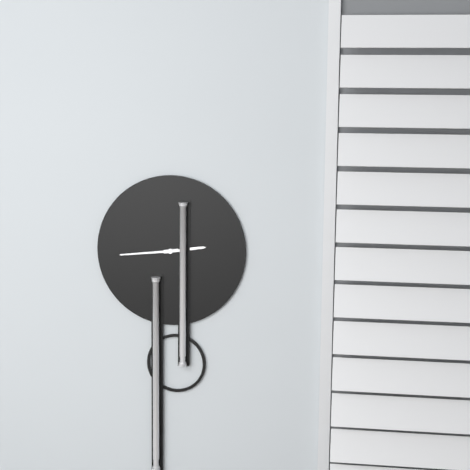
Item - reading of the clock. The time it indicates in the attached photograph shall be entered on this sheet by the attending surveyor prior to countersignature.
2:44
